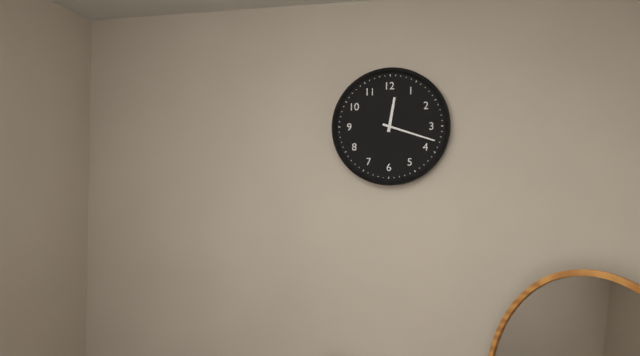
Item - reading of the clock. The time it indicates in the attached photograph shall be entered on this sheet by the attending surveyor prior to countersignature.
12:18
